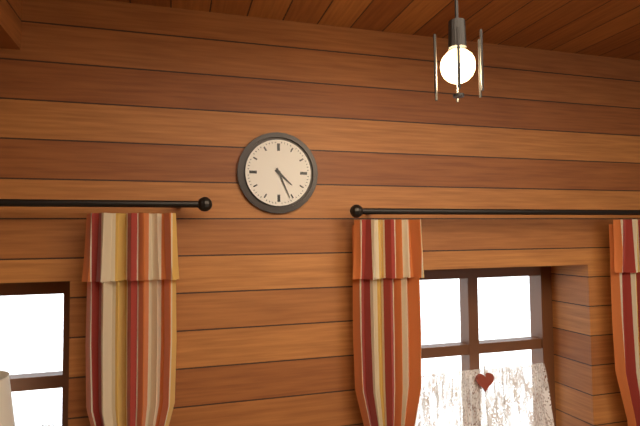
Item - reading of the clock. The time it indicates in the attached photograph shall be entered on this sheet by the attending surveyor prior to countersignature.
4:26
